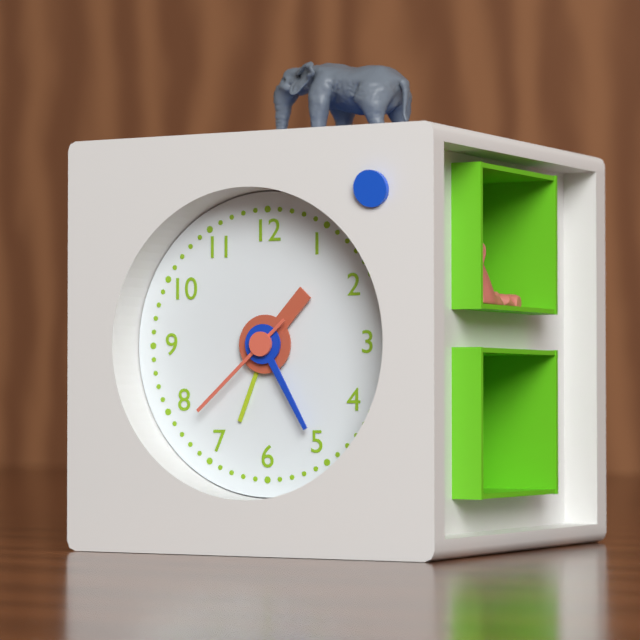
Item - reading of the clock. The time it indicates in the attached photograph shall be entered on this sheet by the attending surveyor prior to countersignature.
1:25:38
